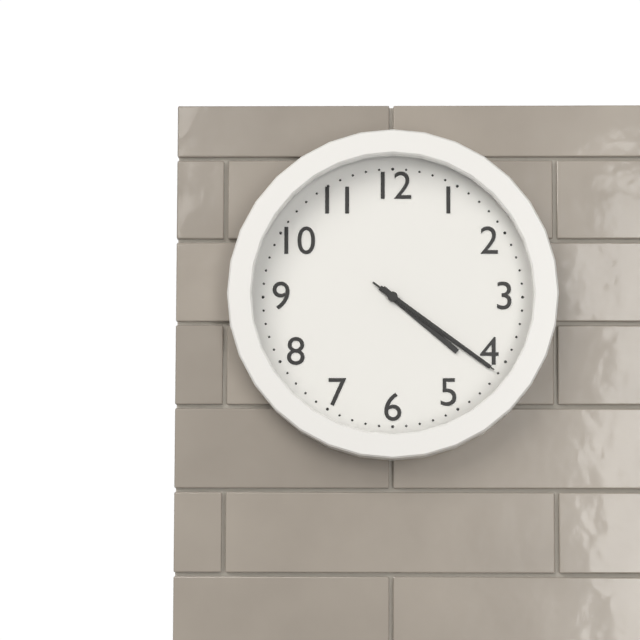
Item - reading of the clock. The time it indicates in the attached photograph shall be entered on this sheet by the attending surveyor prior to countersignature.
4:21:21
